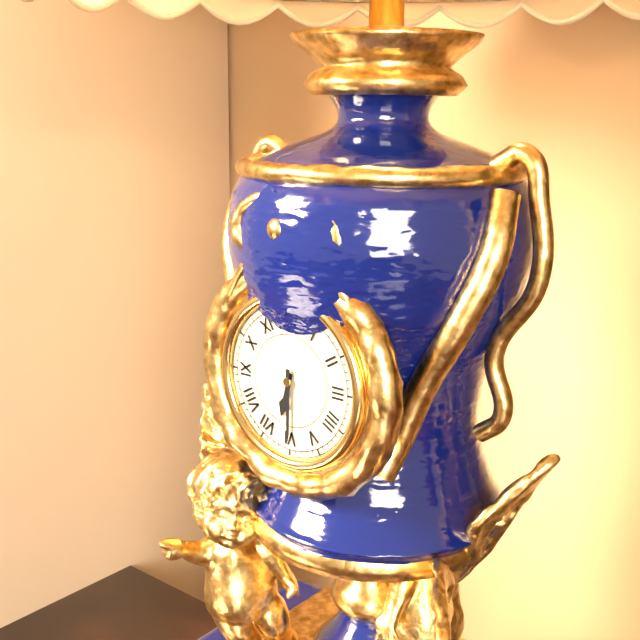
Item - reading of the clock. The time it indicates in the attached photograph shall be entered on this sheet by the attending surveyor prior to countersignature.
6:30
